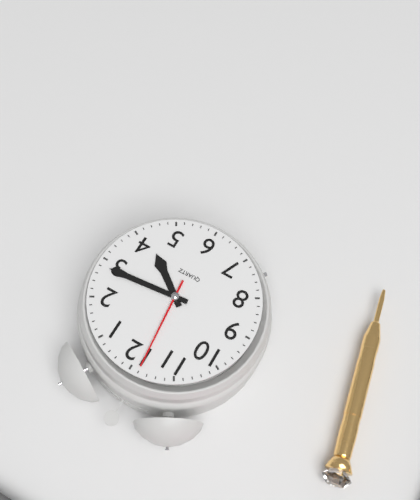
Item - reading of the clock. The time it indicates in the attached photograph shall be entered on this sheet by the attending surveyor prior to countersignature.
4:14:59
